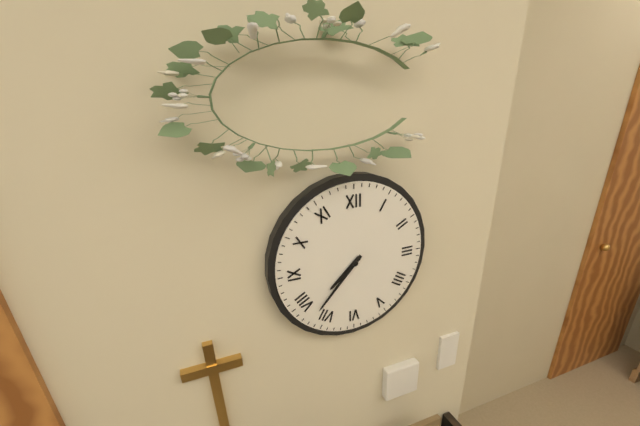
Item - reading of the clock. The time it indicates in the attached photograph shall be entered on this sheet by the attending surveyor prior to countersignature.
7:37
